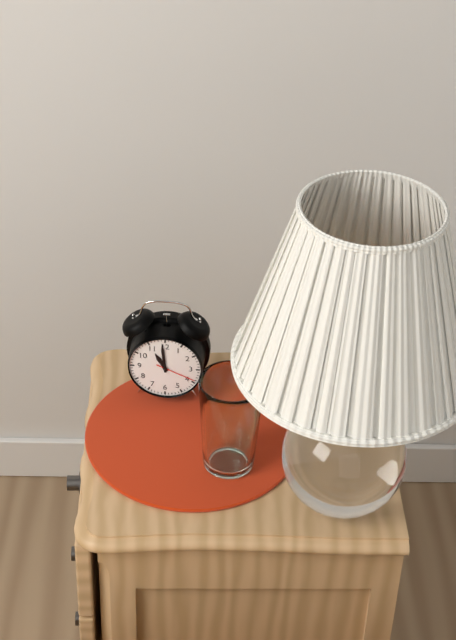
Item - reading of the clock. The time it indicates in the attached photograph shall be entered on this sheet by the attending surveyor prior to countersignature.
10:59
